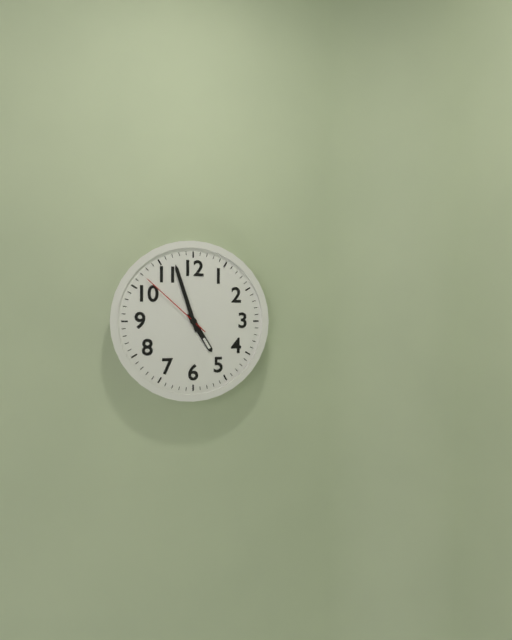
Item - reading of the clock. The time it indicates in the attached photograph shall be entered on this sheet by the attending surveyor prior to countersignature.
4:57:52
